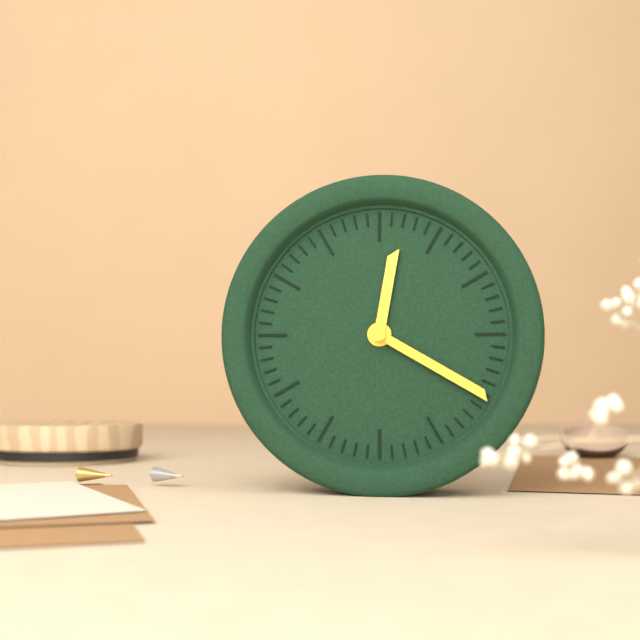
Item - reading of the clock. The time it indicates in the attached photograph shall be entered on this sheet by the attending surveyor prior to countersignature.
12:20
